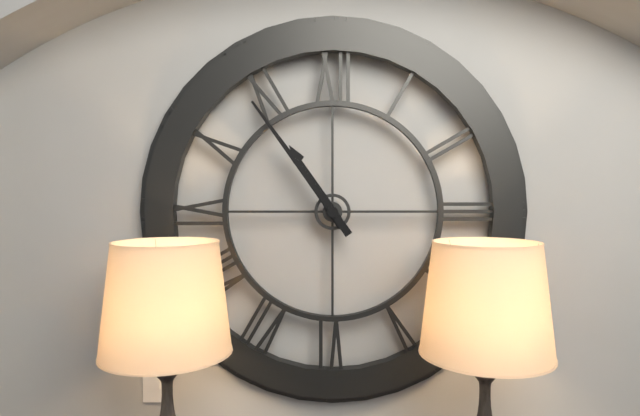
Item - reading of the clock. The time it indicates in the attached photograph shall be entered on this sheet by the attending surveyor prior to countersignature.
10:54
